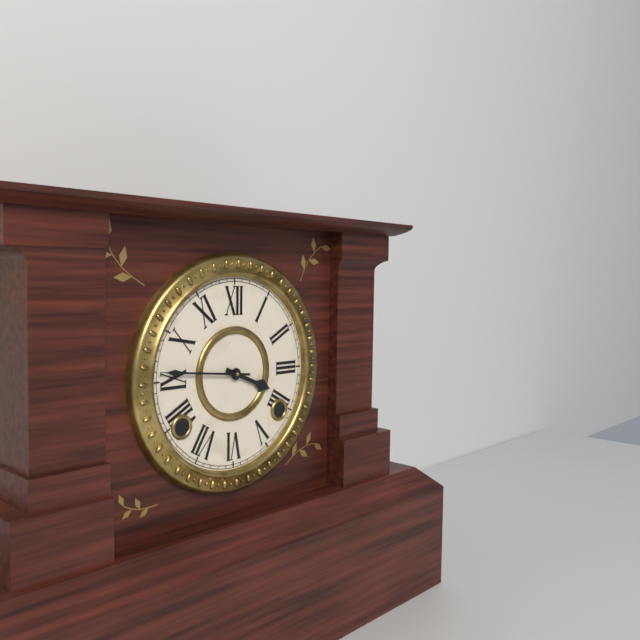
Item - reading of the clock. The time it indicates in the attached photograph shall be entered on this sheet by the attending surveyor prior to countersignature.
3:46
